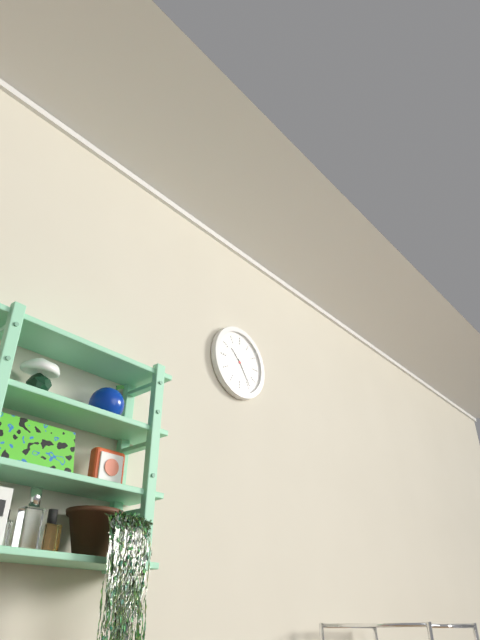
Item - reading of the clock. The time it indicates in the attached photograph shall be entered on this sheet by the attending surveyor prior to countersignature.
10:24
